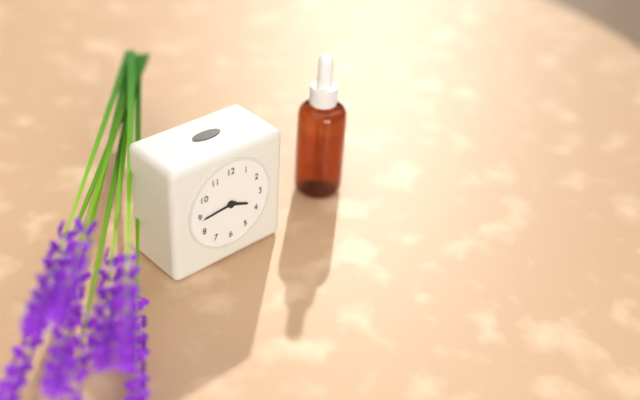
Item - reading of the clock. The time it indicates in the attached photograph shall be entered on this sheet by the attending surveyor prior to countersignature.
3:44
